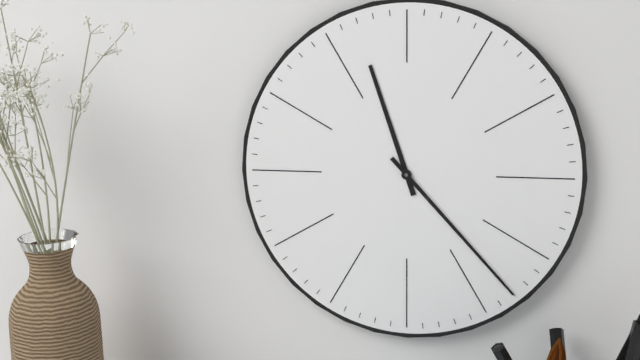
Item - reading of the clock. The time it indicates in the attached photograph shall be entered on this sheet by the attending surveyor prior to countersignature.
11:23
